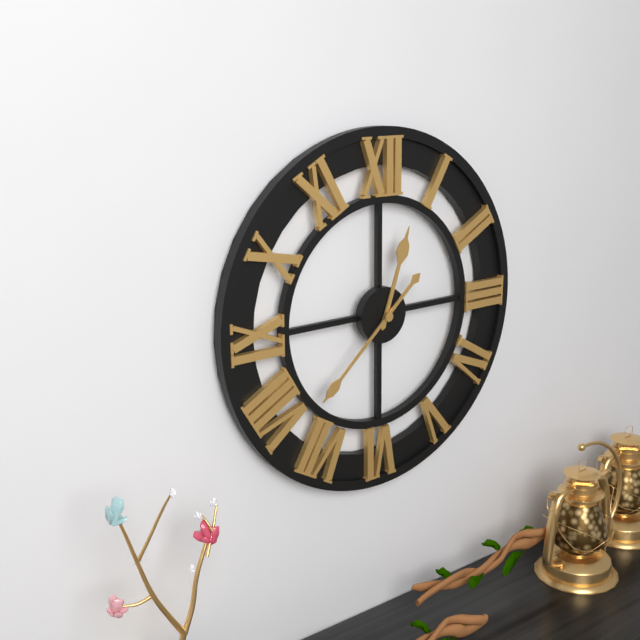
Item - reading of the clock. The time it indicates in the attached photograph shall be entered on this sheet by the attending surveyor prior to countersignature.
12:38
